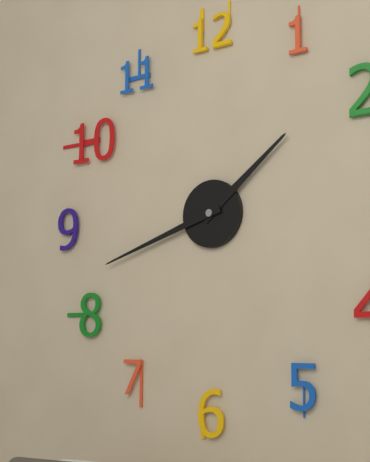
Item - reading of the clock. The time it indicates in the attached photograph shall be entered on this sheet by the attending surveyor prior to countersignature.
1:42
